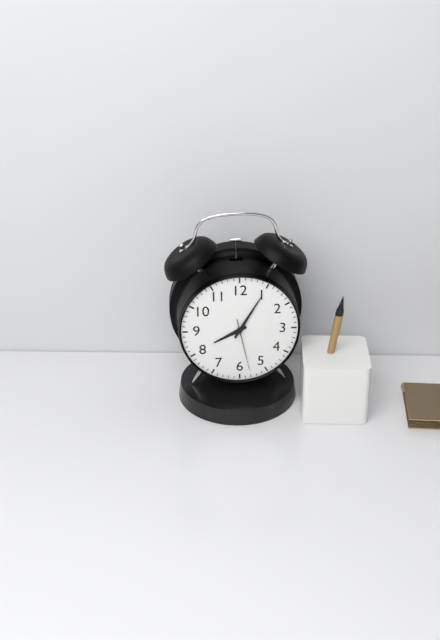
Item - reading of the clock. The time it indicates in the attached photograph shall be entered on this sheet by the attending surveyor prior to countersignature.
8:05:28
